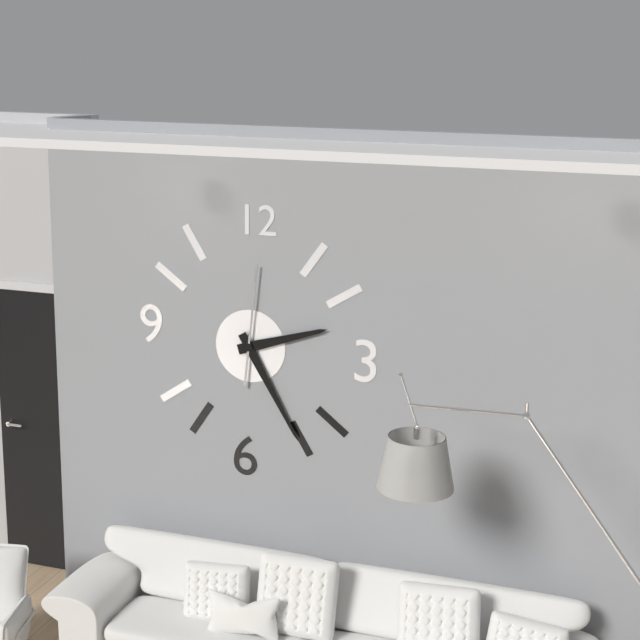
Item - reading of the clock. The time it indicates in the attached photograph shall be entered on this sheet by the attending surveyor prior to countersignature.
2:25:01
